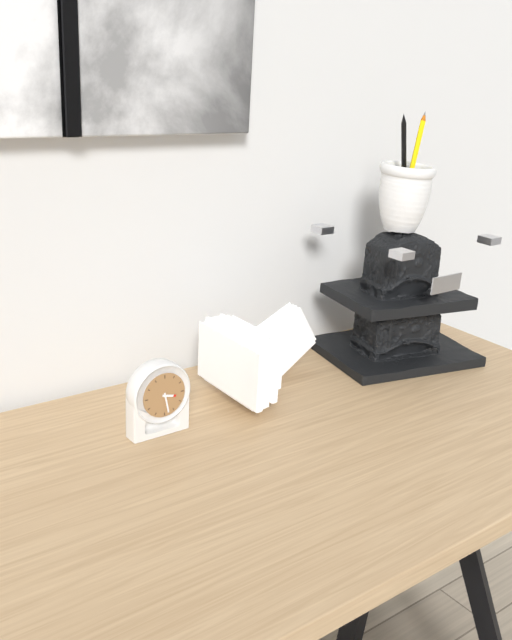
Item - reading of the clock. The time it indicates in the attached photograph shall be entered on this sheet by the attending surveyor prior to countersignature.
3:28
